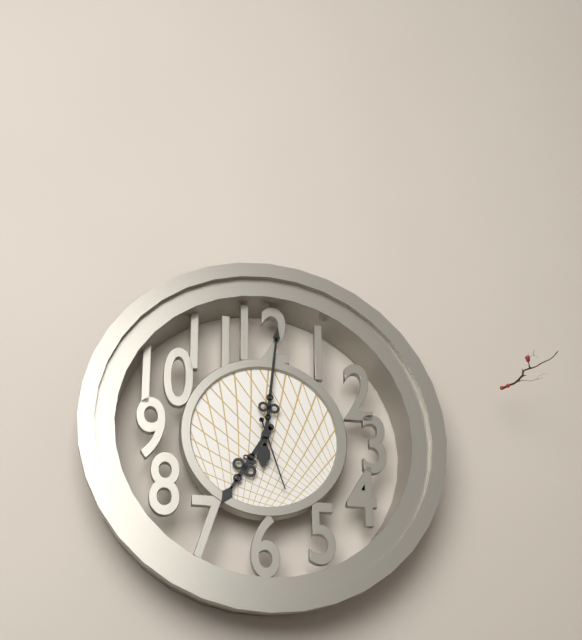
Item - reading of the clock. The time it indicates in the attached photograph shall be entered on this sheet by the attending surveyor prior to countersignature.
7:01:27
